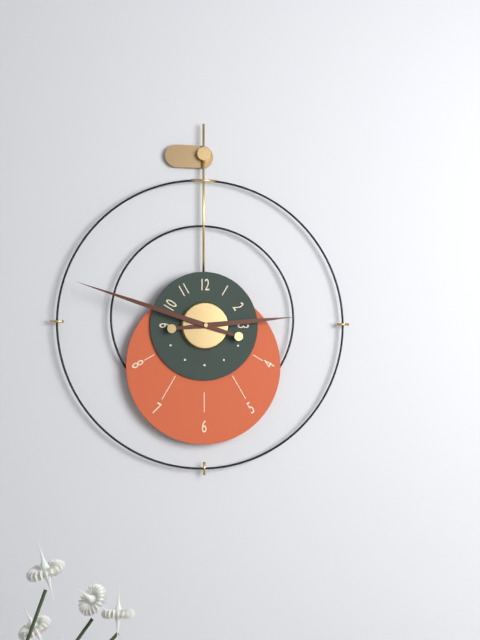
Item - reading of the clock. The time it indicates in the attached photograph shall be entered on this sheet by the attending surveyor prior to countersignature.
2:48
